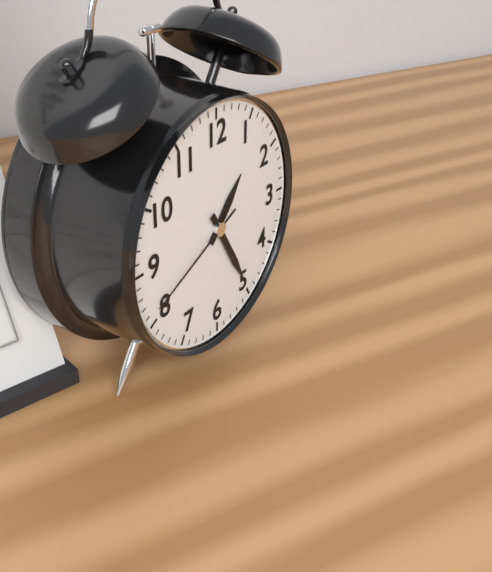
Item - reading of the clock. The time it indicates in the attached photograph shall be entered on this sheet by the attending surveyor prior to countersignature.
1:25:41
